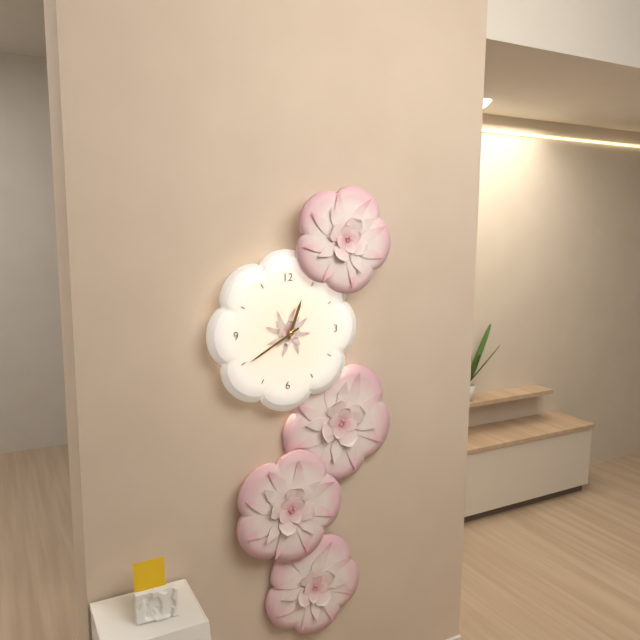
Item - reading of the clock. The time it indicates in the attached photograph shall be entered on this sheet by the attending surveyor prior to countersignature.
12:40
